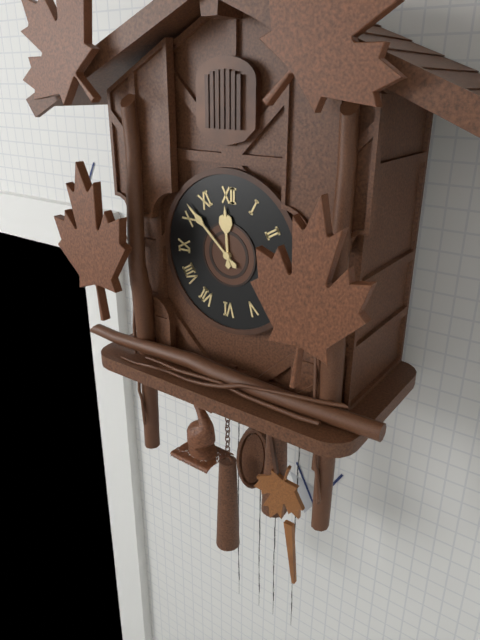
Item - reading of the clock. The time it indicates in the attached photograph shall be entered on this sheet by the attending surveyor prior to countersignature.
11:52
